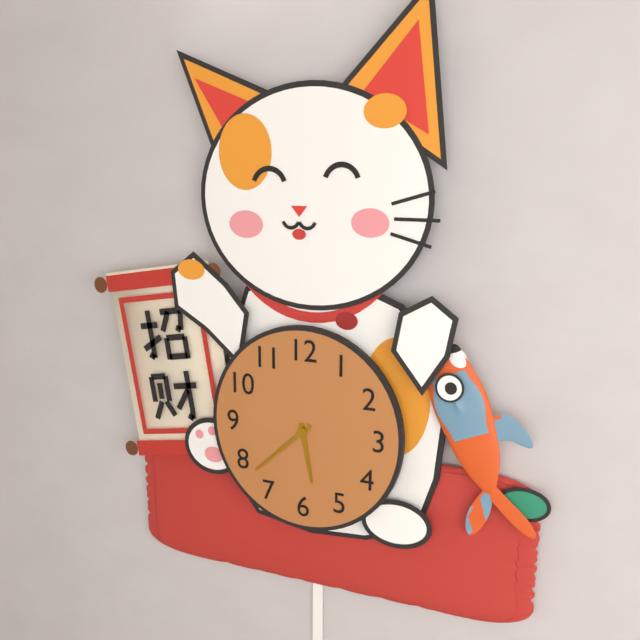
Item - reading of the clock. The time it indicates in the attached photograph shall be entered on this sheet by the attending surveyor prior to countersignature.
5:38
